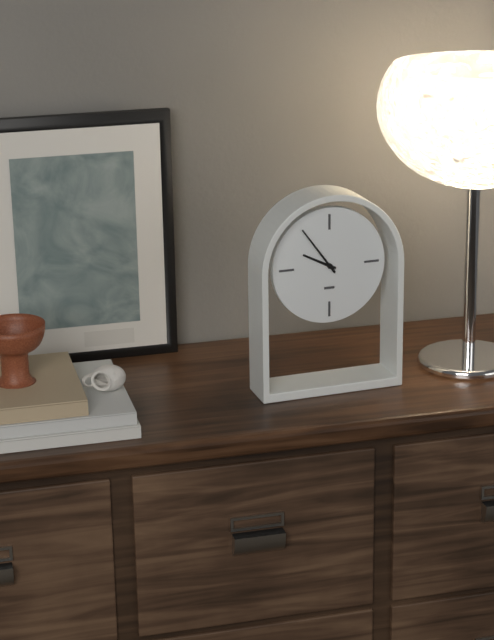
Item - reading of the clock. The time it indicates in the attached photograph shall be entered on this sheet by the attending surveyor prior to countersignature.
9:54
